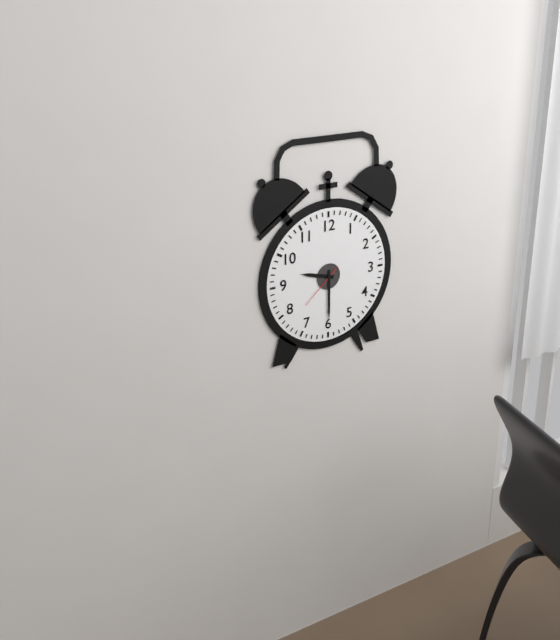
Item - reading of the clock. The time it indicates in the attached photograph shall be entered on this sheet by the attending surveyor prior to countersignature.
9:30
